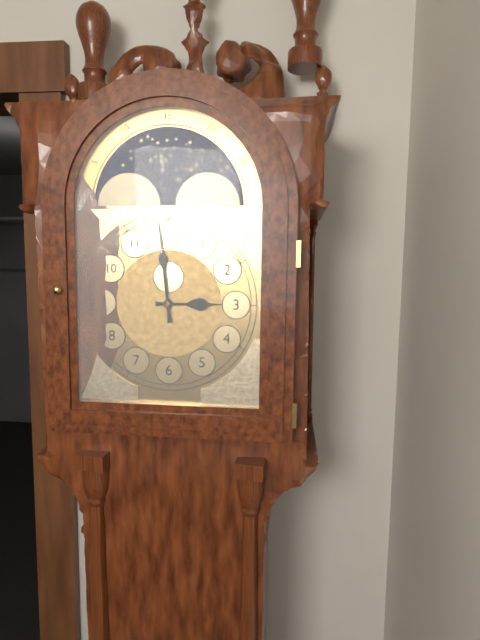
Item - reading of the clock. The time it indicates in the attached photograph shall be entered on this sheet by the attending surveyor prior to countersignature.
2:59
